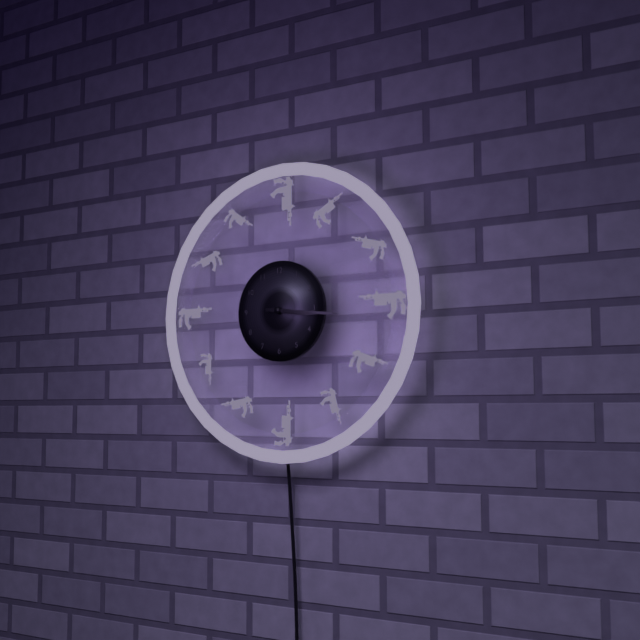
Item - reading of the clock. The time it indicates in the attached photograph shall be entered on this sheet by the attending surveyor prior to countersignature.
3:16
